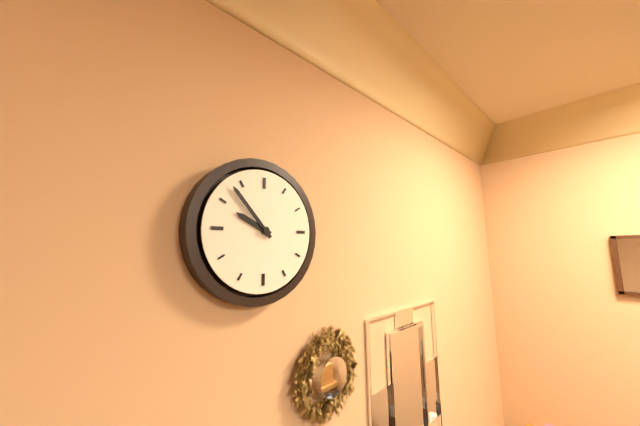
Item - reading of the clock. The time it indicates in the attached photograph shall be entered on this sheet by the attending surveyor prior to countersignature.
9:53
